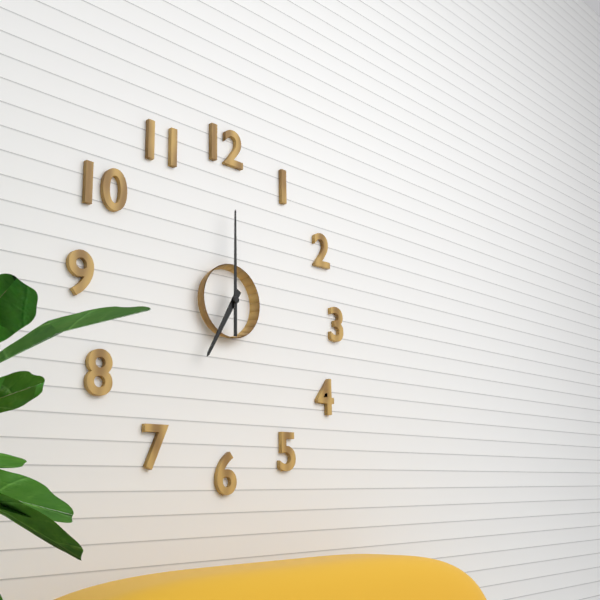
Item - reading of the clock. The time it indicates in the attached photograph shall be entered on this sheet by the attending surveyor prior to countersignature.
7:00
